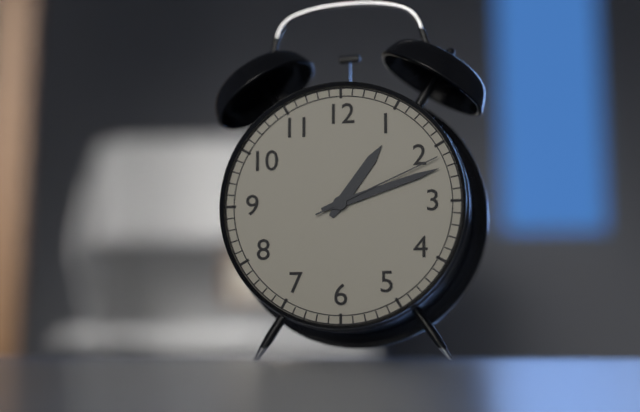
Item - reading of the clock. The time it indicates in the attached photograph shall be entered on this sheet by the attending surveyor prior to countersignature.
1:12:11
